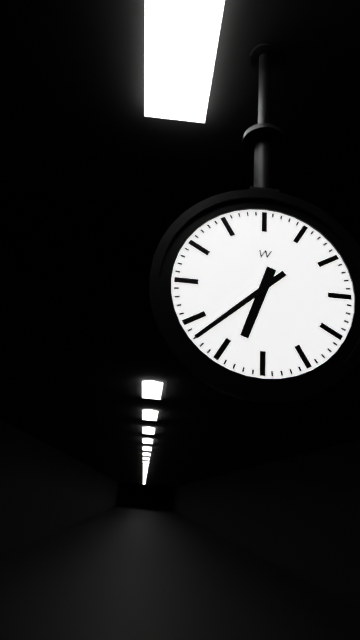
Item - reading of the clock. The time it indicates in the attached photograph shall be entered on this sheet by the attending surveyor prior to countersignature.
6:38
